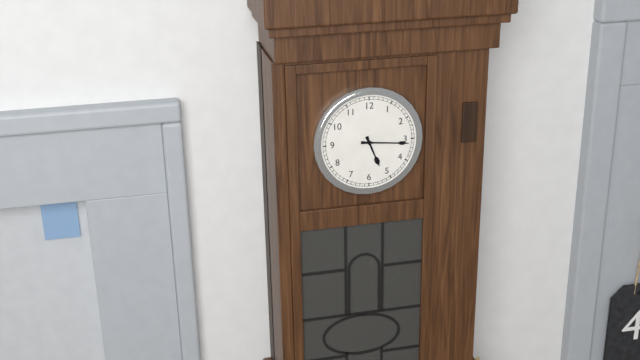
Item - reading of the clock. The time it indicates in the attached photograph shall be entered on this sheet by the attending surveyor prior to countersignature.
5:16
